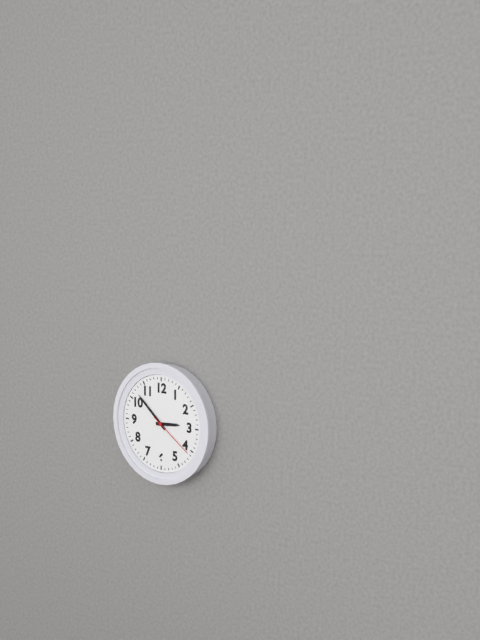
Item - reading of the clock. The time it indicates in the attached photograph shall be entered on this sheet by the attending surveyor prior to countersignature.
2:52
